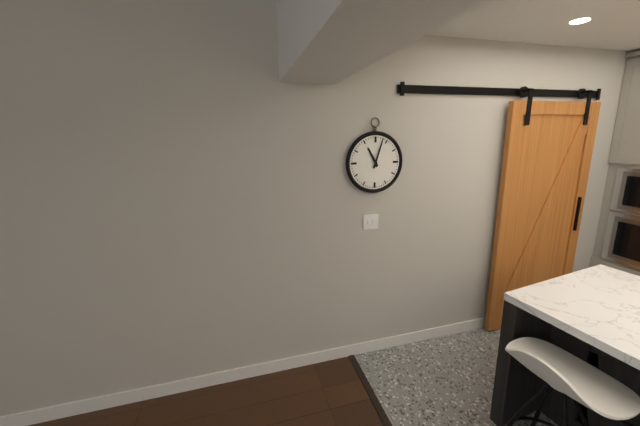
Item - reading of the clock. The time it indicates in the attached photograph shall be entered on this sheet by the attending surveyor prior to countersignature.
11:03
